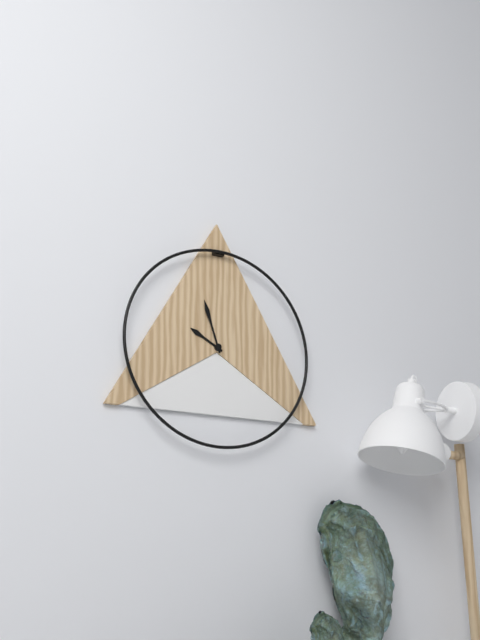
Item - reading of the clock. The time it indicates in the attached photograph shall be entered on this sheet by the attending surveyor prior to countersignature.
9:57
